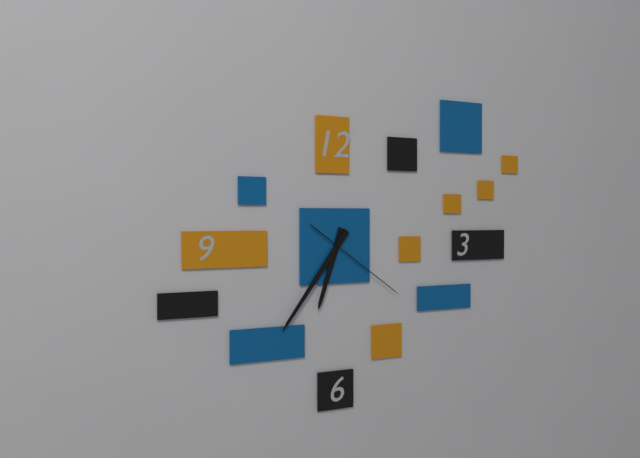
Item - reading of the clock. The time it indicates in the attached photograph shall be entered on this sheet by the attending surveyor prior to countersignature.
6:36:21
